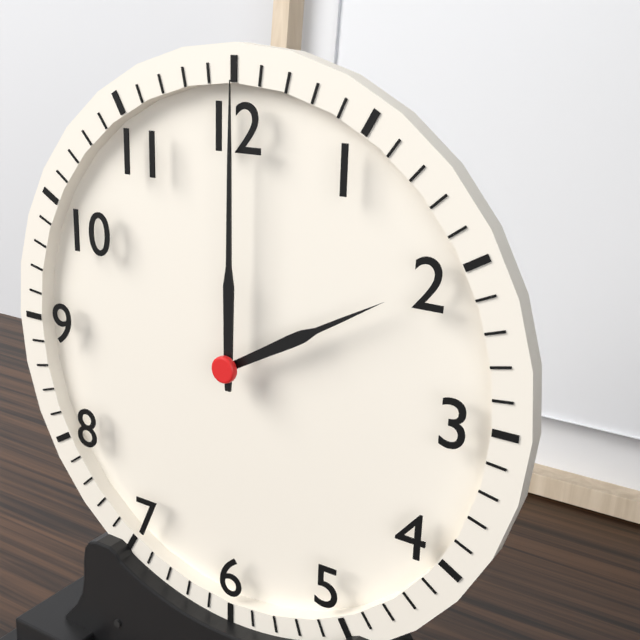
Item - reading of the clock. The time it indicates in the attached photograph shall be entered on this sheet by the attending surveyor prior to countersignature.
2:00
